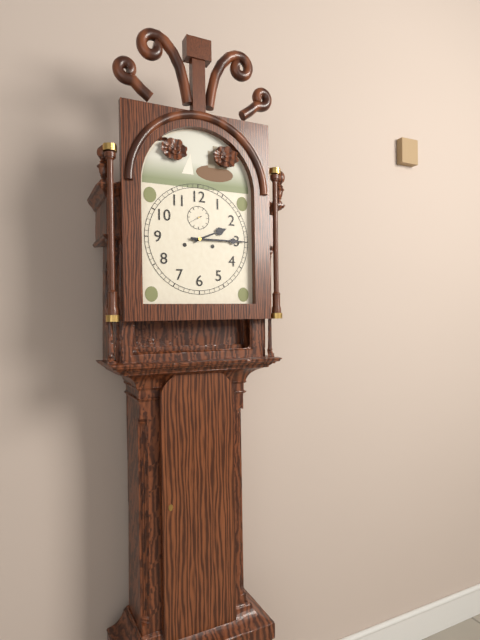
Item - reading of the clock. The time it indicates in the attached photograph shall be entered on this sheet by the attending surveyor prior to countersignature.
2:15
